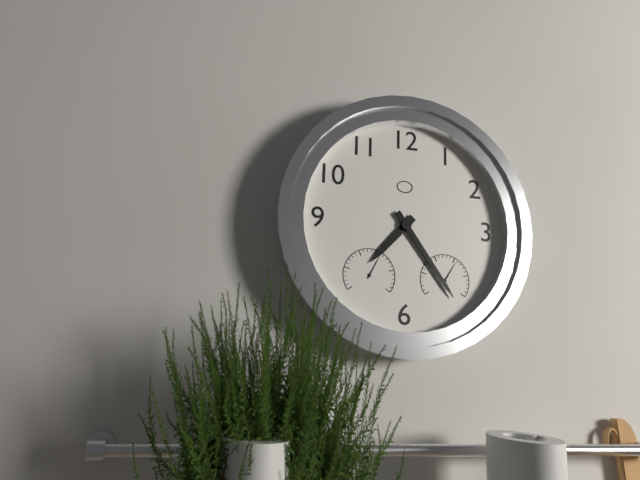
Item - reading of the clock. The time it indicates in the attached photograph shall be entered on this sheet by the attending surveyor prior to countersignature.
7:24
